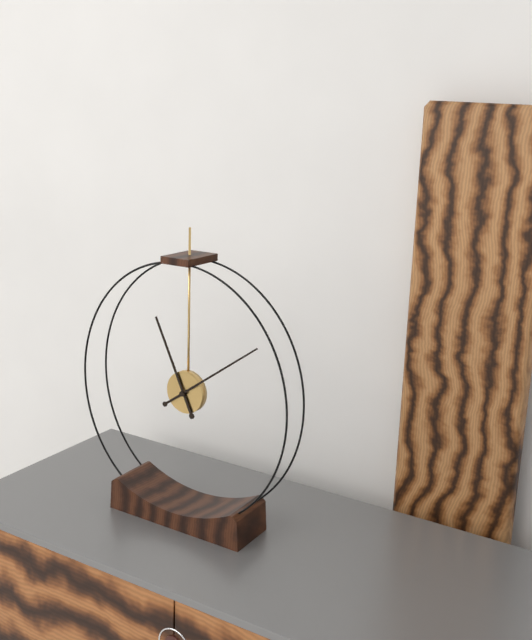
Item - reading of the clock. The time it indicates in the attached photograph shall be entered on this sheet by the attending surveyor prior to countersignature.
11:09
